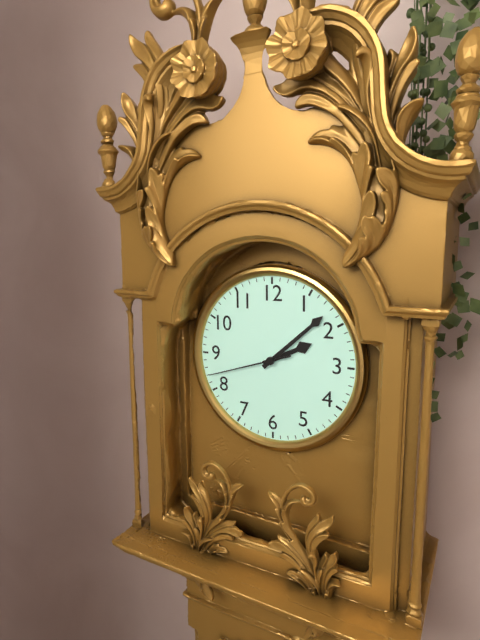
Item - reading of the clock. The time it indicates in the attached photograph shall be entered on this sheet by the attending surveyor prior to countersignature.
2:08:42
